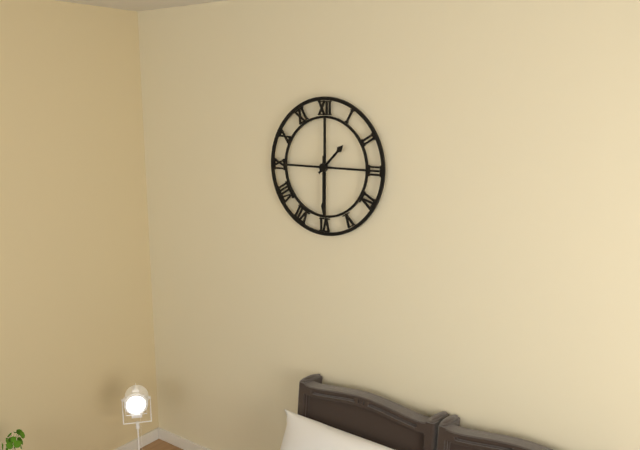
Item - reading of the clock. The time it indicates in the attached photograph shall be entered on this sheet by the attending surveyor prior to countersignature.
1:30
